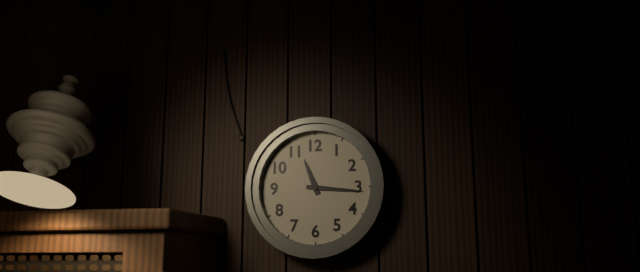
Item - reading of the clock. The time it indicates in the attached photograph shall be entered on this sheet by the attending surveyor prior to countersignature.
11:16
